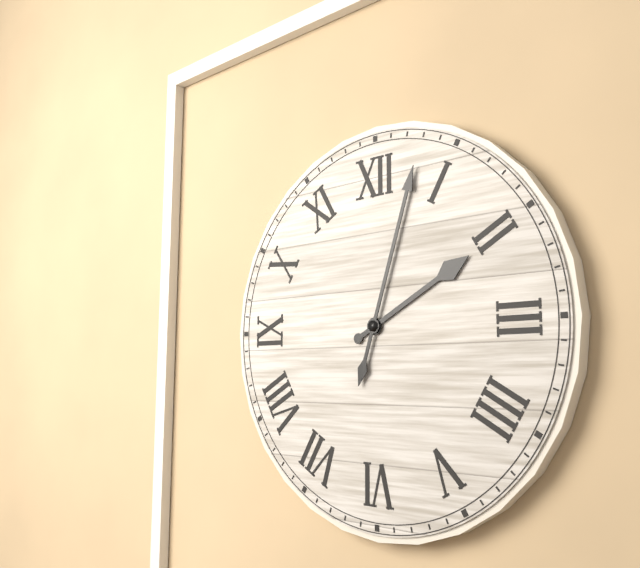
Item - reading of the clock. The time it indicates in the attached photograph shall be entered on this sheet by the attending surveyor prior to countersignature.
2:03
